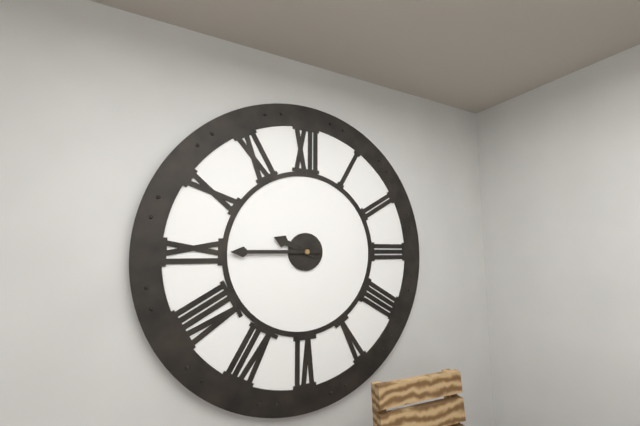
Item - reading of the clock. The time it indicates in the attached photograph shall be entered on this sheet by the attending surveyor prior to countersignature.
9:45
